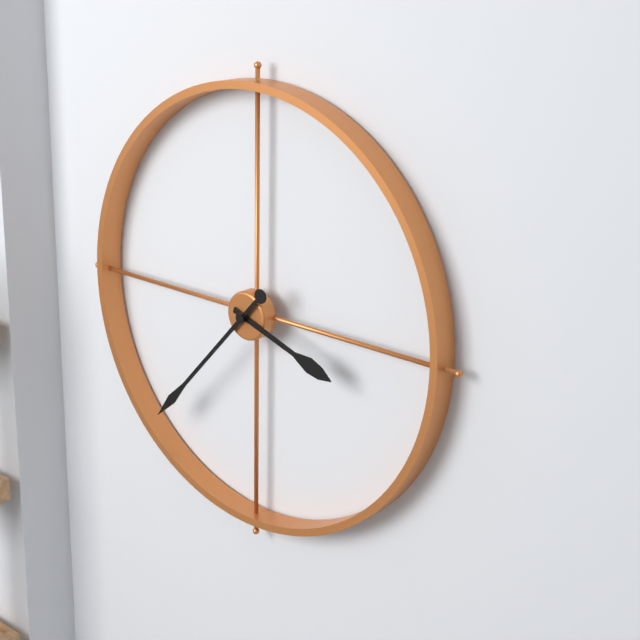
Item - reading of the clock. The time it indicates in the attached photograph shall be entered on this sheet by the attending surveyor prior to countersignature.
3:37
